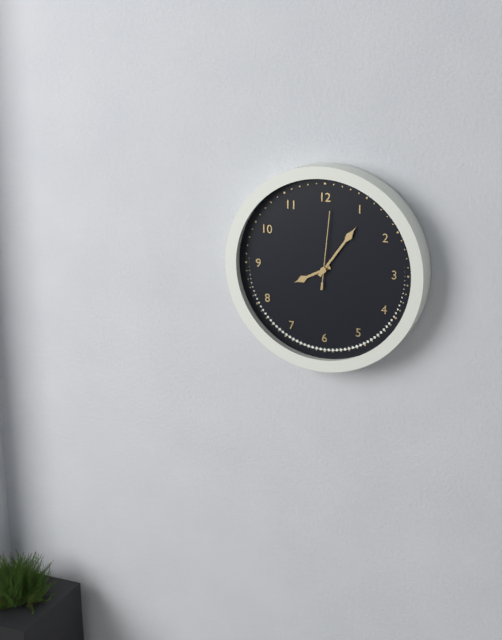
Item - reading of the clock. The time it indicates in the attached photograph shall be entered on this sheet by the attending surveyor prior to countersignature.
8:06:01
